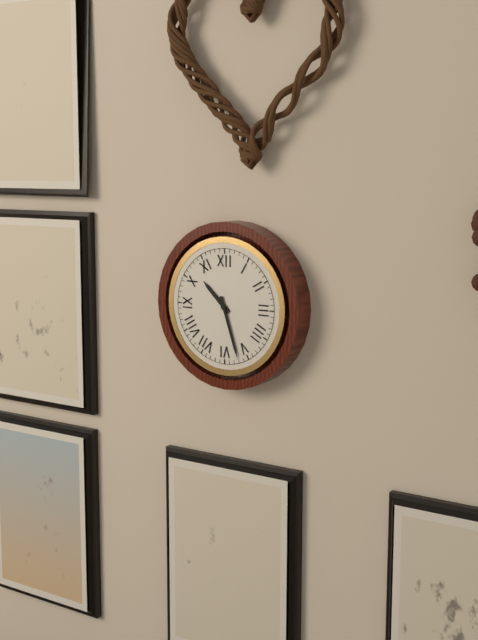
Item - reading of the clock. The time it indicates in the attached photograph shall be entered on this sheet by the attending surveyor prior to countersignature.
10:27
